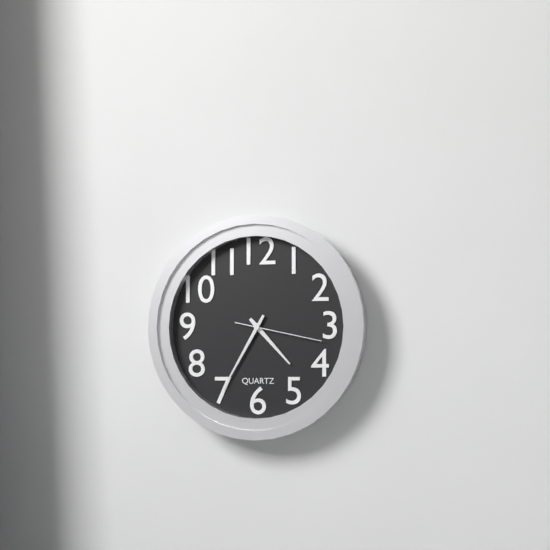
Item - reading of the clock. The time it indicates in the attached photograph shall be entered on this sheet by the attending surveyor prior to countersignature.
4:35:17
